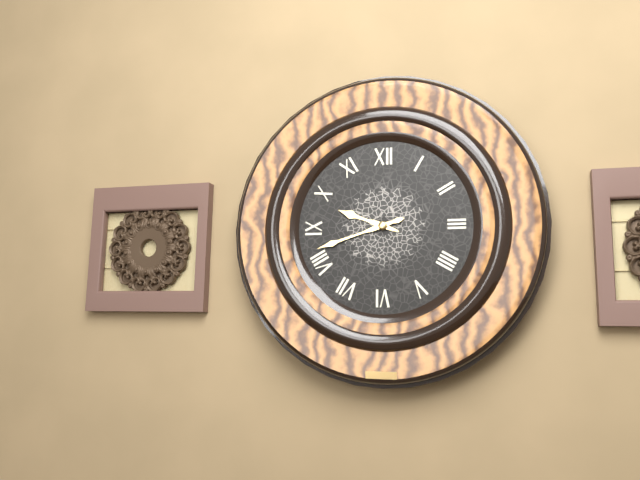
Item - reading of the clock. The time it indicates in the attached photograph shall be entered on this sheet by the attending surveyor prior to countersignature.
9:42
